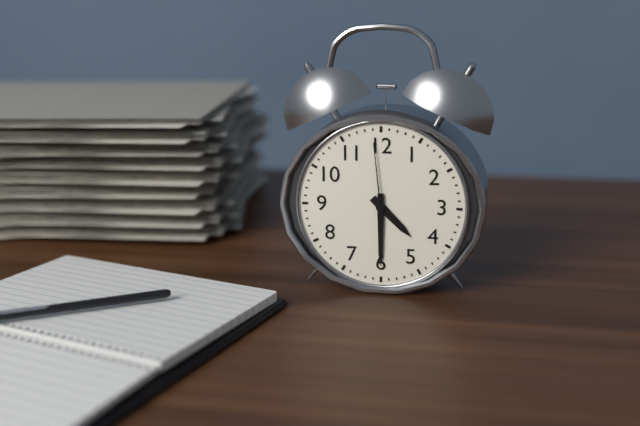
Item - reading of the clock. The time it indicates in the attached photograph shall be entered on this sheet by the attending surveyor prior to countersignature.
4:30:59
